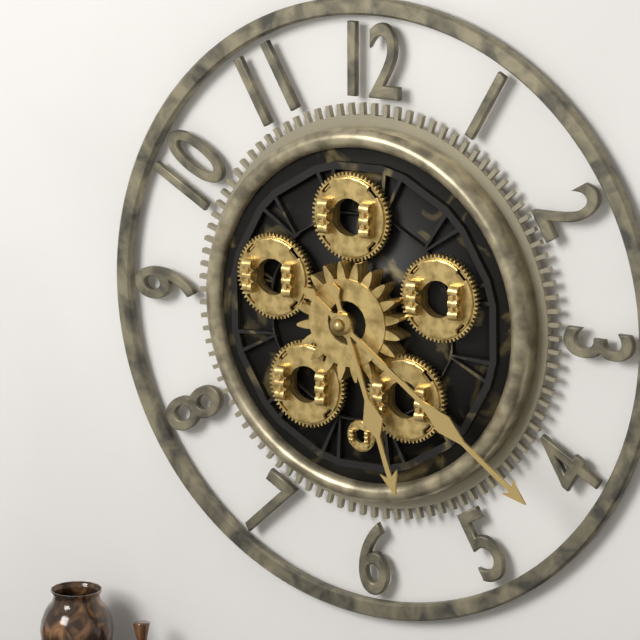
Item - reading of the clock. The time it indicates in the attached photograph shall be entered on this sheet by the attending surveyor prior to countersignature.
5:21
